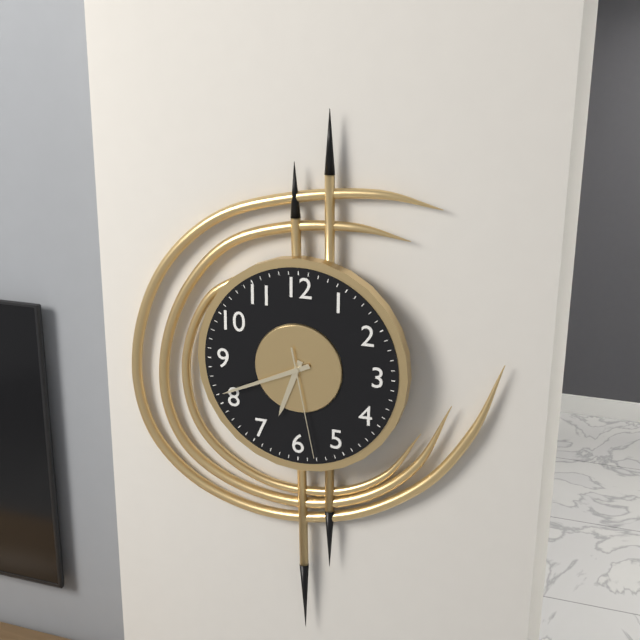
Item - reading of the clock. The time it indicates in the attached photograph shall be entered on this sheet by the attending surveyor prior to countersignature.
6:41:28
